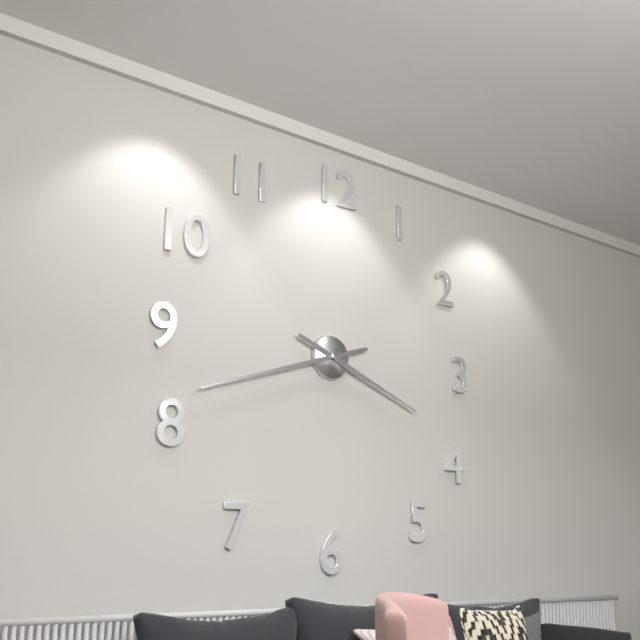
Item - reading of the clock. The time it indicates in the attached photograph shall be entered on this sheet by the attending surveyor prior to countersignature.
3:42
